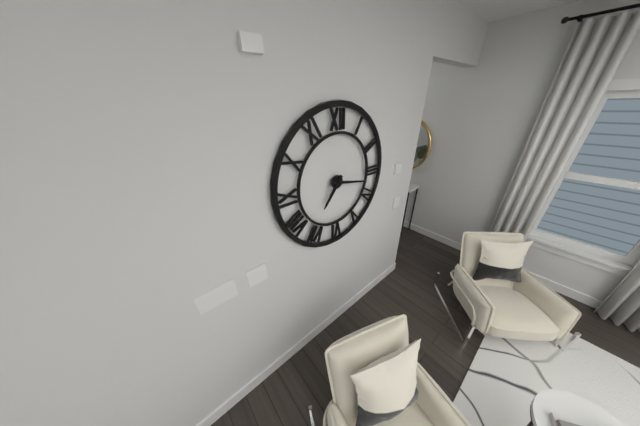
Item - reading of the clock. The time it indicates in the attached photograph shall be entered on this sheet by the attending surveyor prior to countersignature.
7:17
